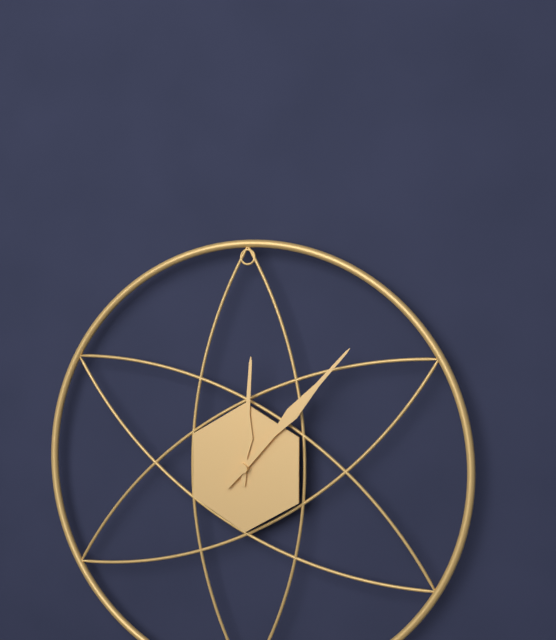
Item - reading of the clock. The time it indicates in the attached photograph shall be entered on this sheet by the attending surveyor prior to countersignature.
12:07
